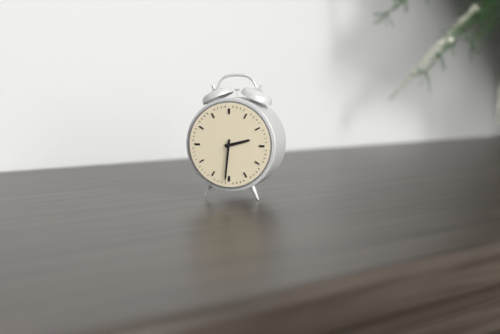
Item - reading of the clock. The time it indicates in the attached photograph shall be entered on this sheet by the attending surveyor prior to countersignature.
2:31
